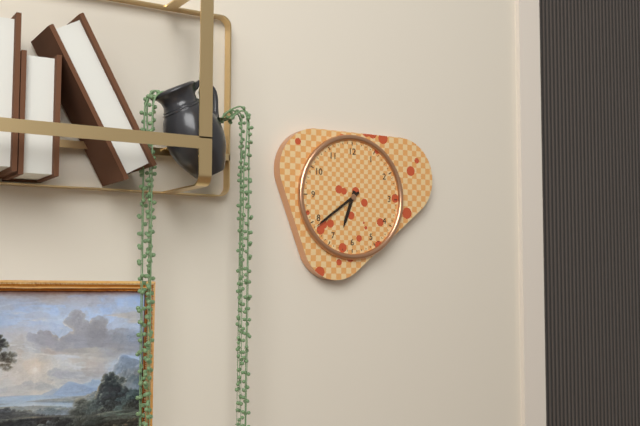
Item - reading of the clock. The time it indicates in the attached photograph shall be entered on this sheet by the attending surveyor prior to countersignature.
6:39
